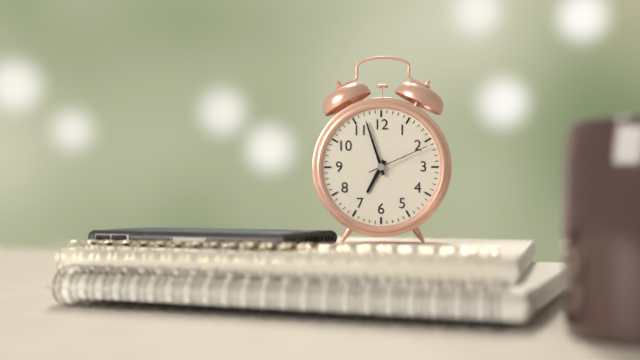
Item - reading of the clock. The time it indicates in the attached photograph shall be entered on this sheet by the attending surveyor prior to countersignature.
6:57:11
